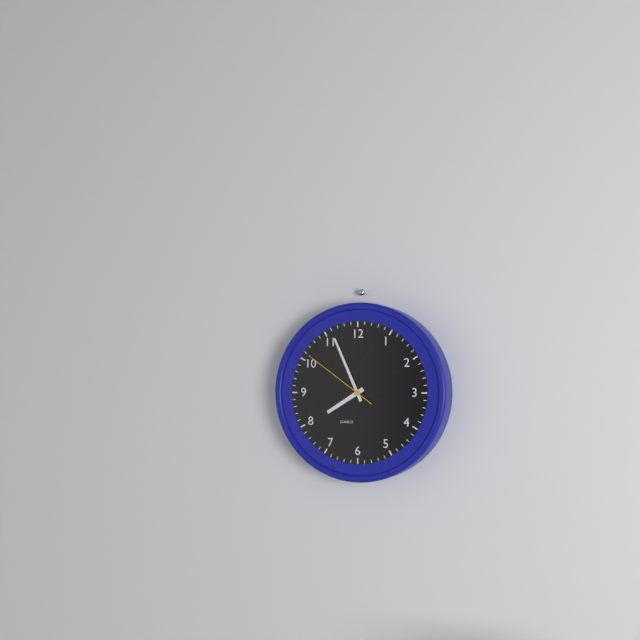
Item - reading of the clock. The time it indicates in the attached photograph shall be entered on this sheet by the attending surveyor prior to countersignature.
7:56:51
